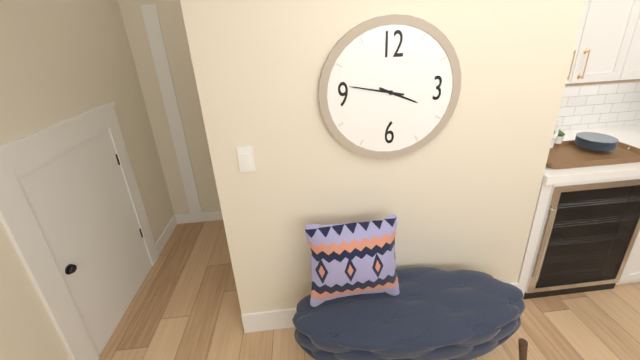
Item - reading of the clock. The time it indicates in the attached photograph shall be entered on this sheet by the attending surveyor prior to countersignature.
3:47
